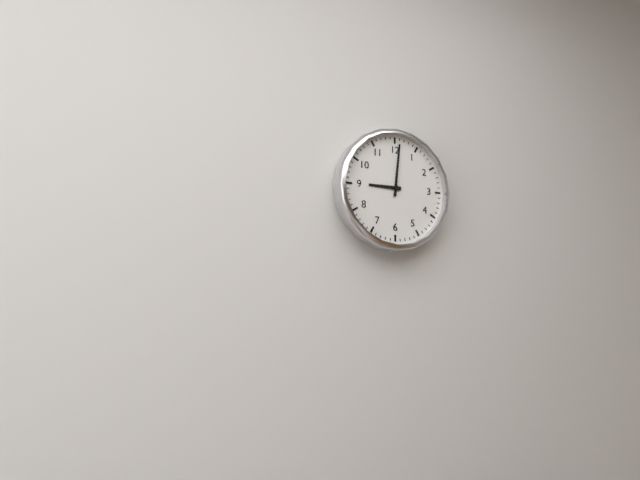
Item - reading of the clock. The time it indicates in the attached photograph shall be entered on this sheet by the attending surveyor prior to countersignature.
9:01
